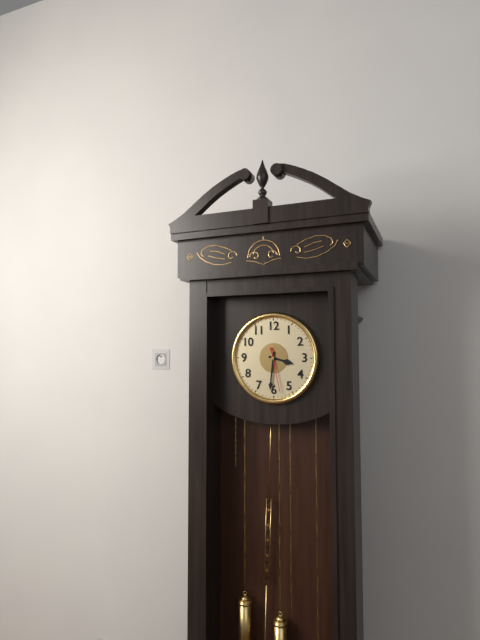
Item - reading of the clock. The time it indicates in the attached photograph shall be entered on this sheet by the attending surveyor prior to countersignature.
3:31
